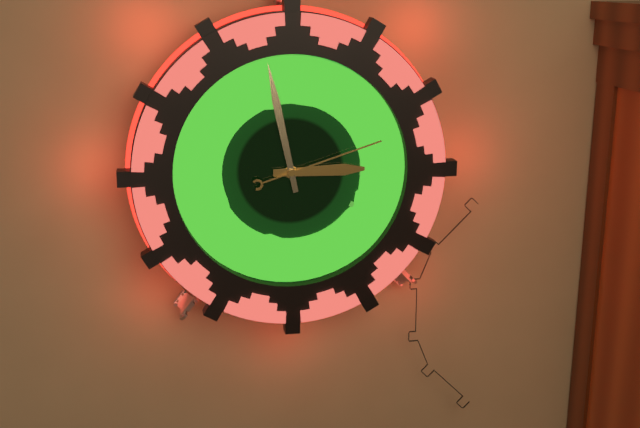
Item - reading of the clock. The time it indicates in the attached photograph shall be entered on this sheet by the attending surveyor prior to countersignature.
2:58:12
